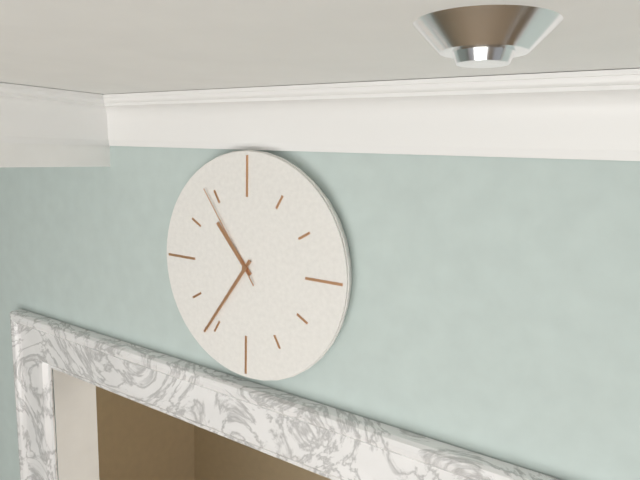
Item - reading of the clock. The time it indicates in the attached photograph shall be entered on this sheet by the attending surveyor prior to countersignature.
10:36:54
